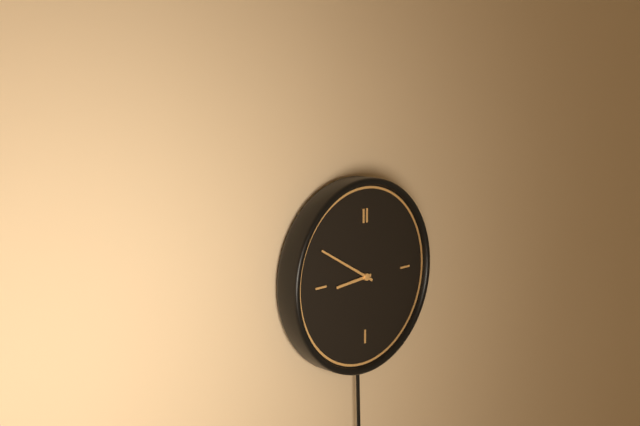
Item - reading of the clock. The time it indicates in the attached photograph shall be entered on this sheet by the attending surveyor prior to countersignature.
8:50
